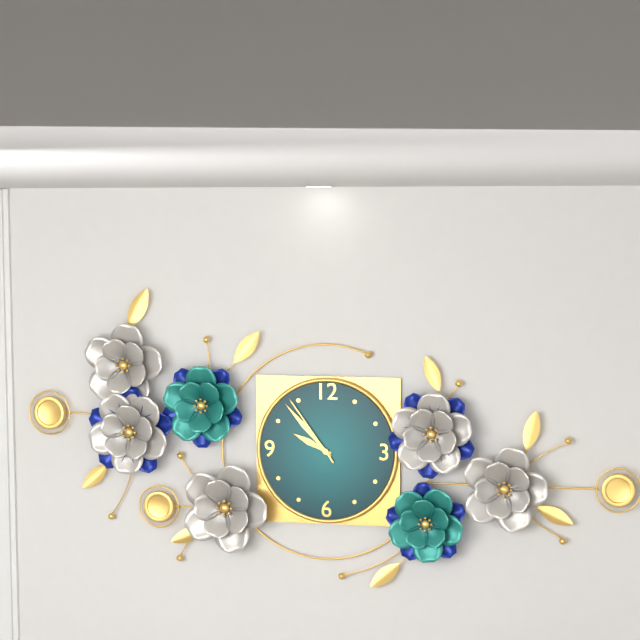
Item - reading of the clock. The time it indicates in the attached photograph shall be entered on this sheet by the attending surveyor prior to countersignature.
9:53:54
